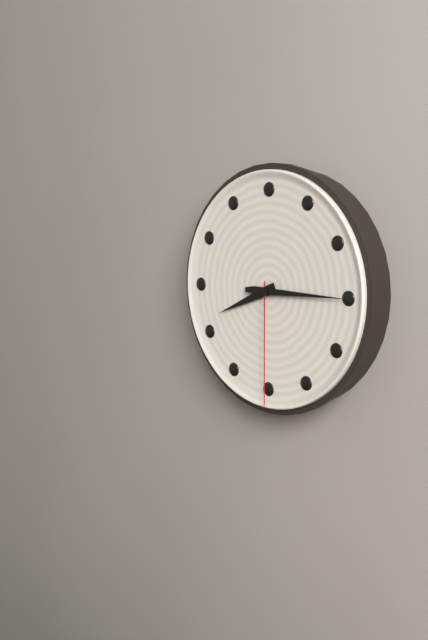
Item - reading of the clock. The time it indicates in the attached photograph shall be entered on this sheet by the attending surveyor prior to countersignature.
8:15:30
